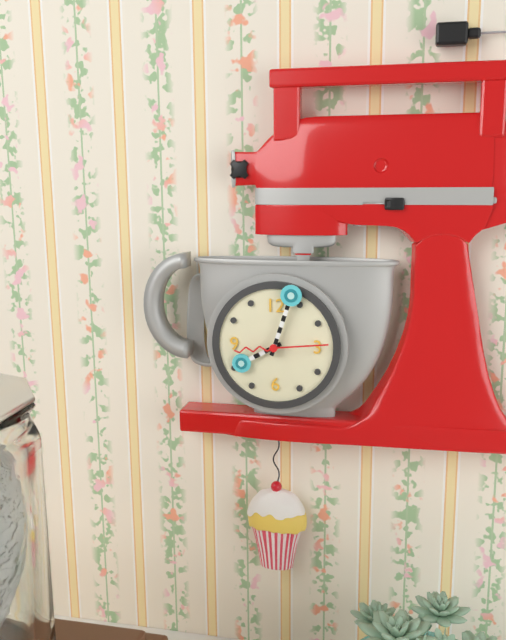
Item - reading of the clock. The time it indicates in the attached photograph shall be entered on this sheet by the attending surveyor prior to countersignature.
8:03:14
